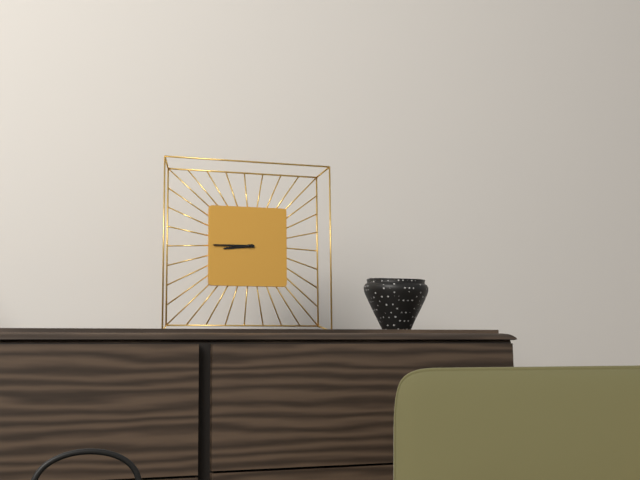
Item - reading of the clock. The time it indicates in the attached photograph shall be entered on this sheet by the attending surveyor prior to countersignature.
8:45
